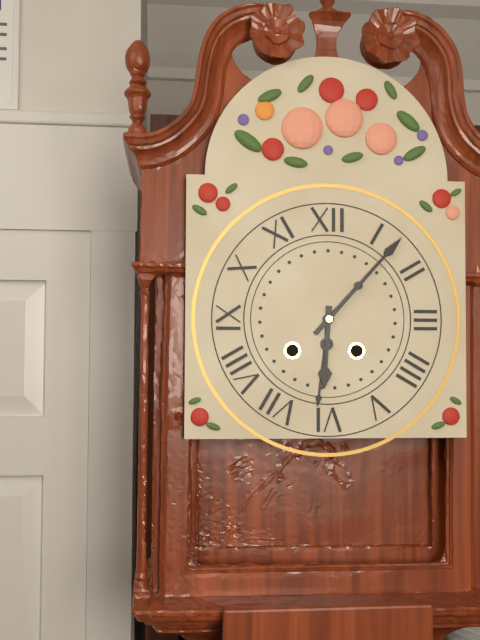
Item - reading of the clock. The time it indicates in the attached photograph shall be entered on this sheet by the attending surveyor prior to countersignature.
6:07
